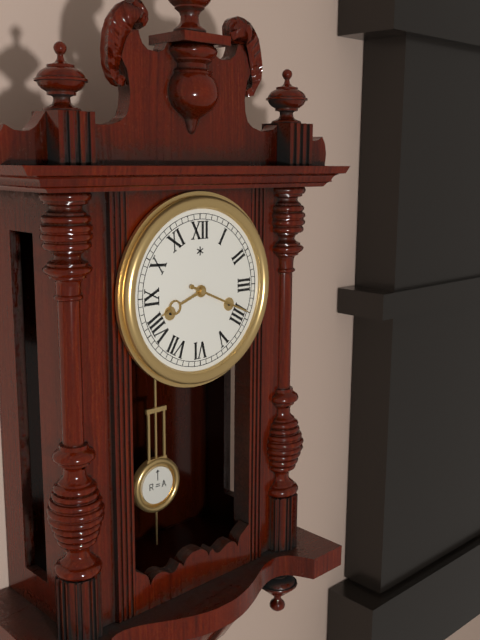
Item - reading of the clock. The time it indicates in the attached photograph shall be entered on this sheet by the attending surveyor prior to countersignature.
8:19
